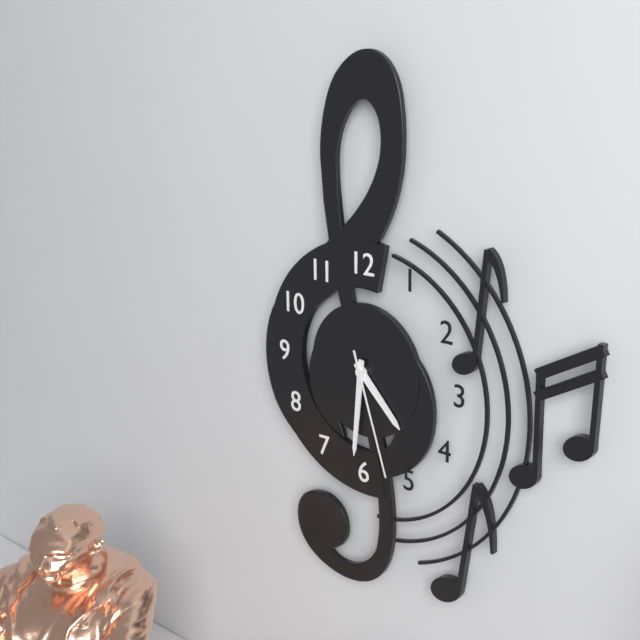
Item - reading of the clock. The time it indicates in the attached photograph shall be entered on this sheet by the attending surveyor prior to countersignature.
4:31:27
